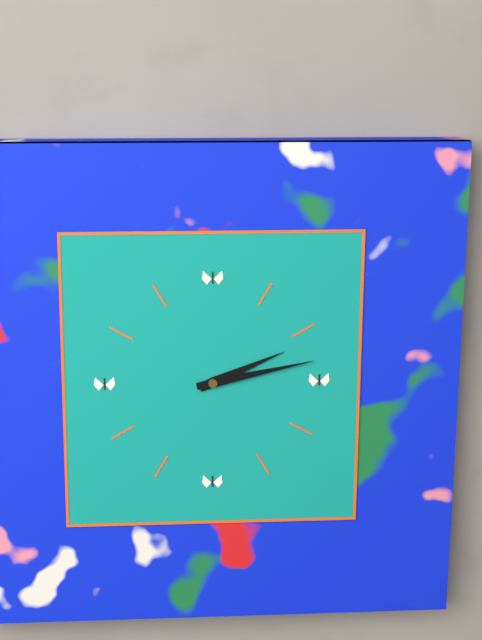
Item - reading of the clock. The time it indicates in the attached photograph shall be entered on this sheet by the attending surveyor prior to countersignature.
2:13
